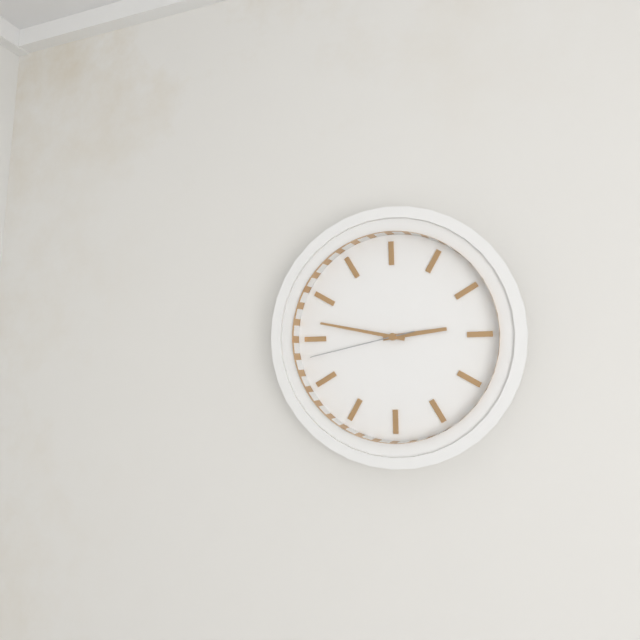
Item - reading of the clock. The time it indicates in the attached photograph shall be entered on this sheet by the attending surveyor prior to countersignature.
2:47:43
